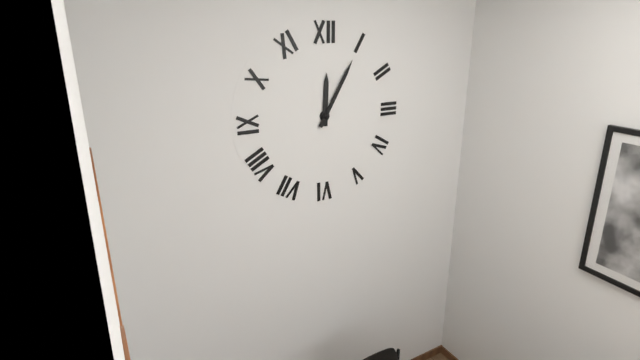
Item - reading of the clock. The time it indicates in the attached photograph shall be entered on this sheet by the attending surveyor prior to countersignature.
12:05
